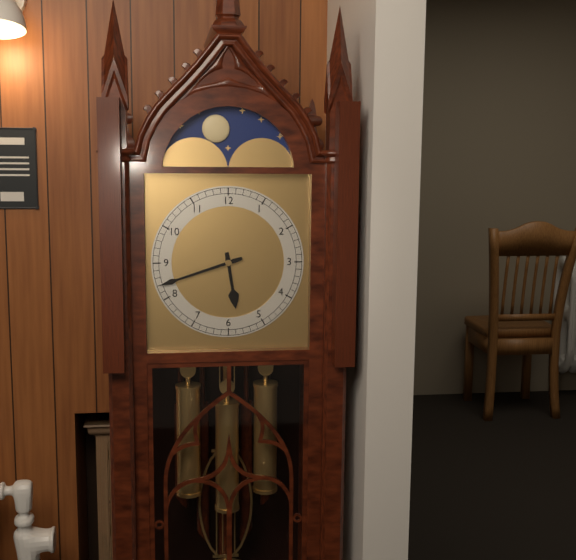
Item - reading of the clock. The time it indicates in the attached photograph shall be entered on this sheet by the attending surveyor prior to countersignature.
5:42
